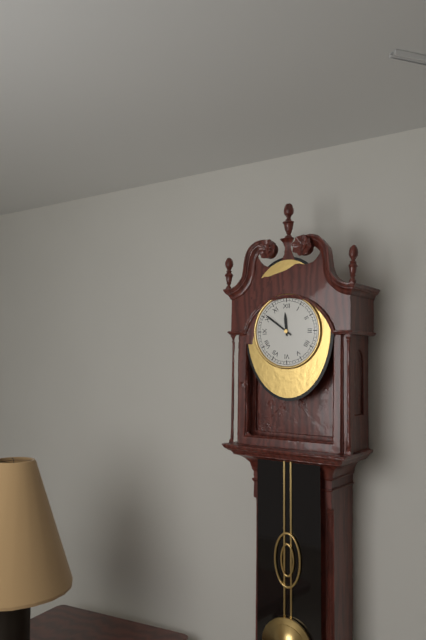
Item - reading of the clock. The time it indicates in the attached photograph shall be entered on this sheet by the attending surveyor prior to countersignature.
11:51
